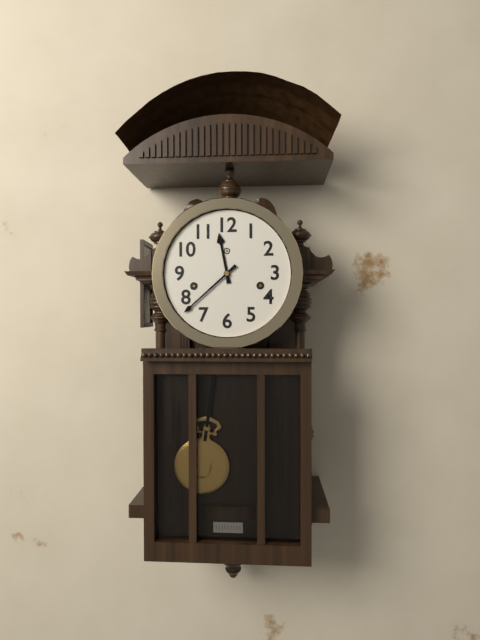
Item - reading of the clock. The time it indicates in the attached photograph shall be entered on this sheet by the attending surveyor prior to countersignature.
11:38
